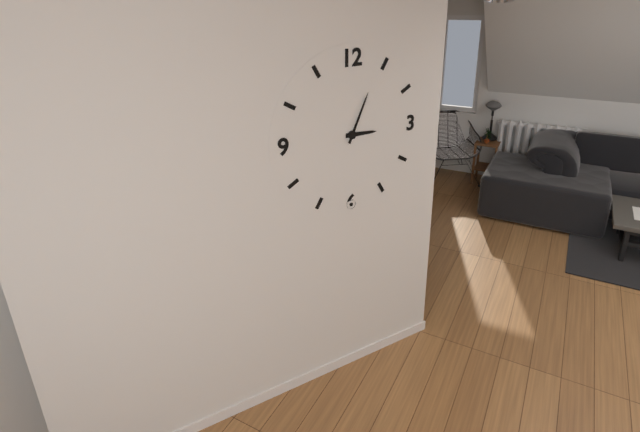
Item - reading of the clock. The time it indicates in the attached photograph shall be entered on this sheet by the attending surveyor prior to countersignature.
3:04
